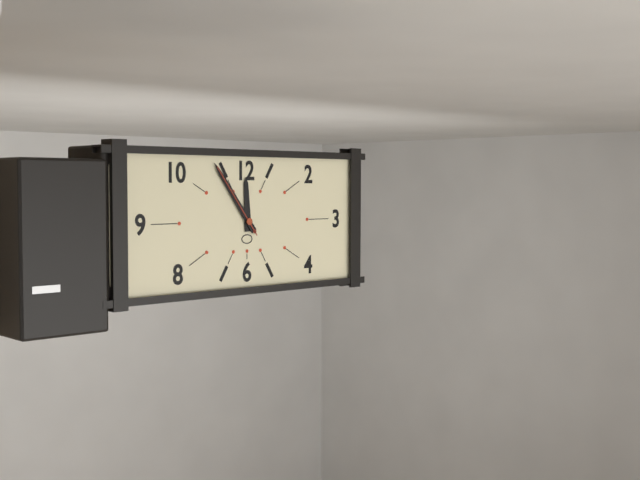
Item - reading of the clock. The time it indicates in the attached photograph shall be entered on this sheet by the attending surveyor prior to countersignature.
11:54:54
